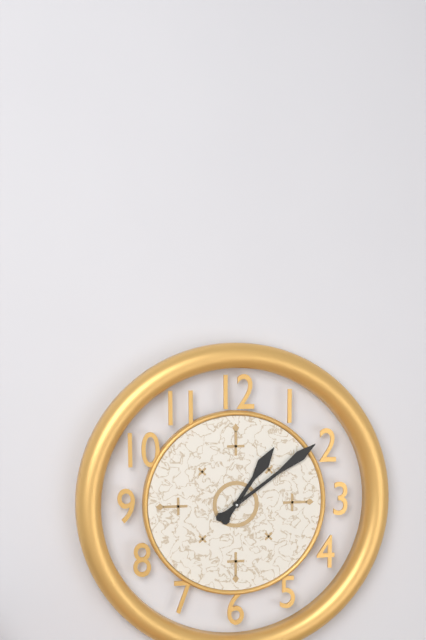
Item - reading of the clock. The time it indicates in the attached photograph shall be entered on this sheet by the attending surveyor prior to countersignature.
1:09
